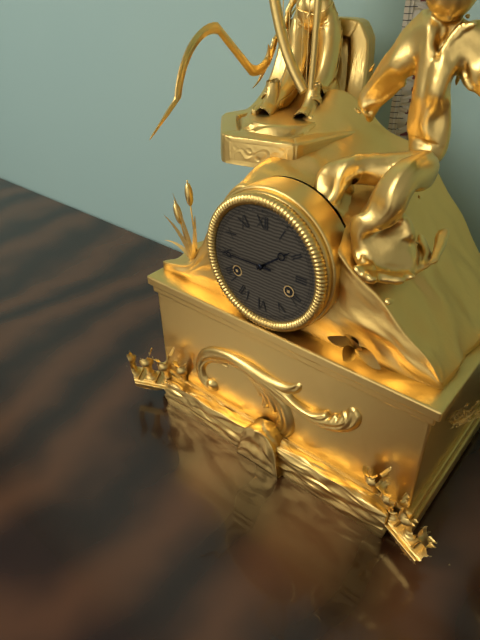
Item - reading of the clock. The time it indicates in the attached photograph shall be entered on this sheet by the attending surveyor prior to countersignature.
1:45
